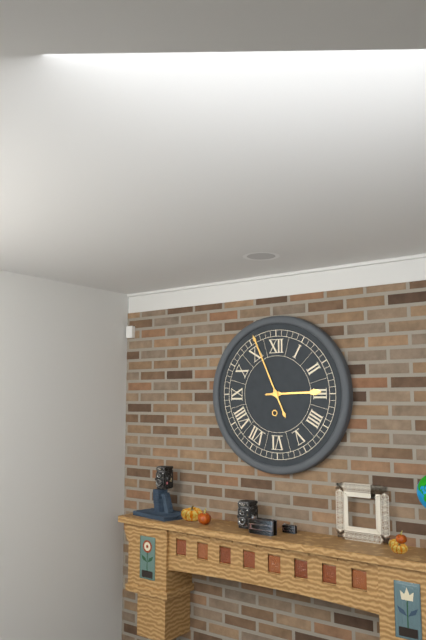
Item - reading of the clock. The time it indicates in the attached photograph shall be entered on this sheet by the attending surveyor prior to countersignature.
2:56
